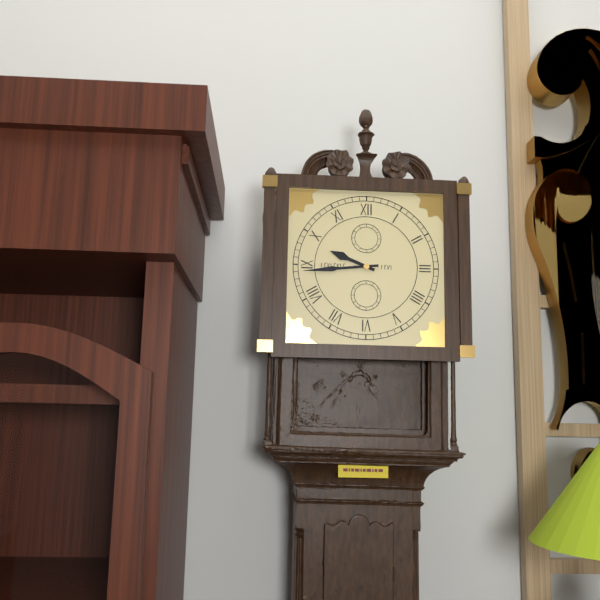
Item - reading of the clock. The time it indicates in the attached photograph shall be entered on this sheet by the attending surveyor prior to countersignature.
9:44
